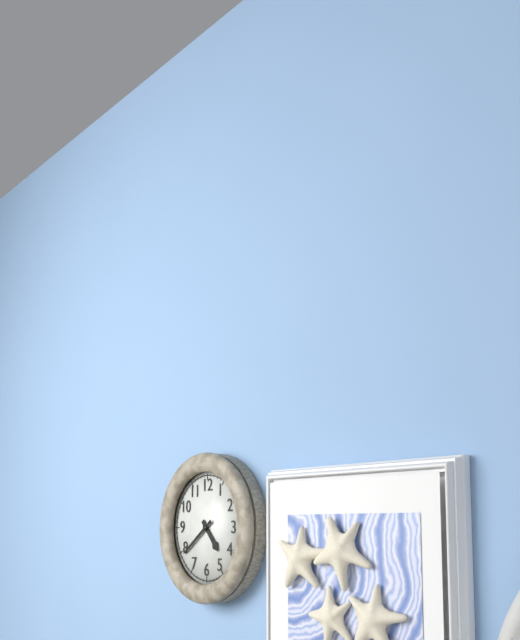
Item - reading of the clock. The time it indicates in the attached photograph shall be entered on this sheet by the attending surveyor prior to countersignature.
4:39
